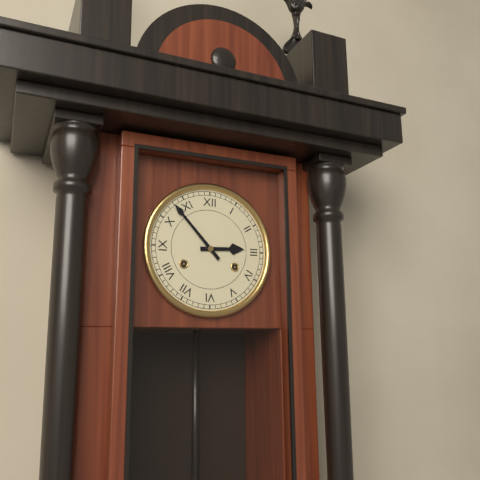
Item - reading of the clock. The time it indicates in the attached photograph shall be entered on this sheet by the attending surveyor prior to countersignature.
2:53
